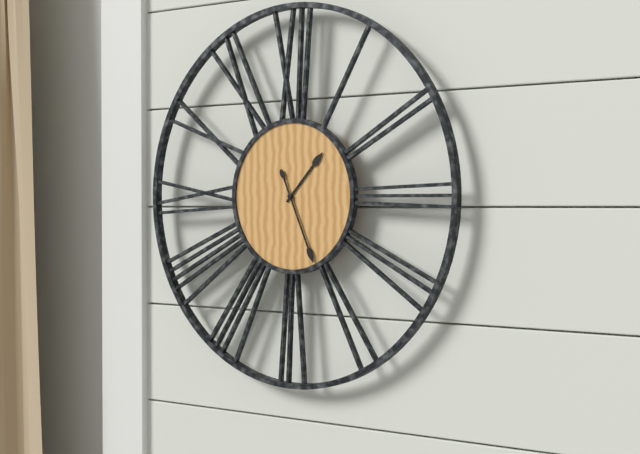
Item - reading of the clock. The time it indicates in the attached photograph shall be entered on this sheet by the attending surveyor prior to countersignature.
1:26
